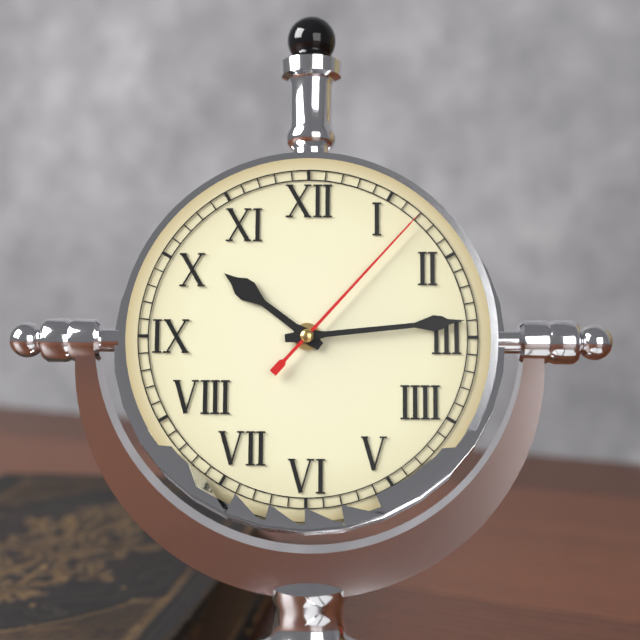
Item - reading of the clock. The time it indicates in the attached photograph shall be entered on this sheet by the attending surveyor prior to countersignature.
10:14:07
